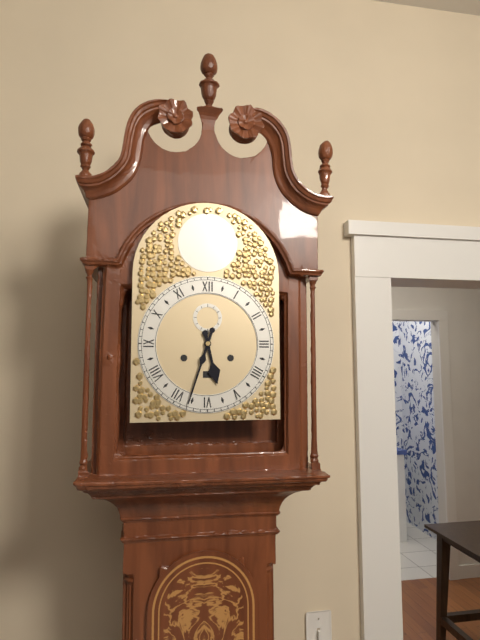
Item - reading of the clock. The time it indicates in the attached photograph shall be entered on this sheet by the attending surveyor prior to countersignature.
5:33
